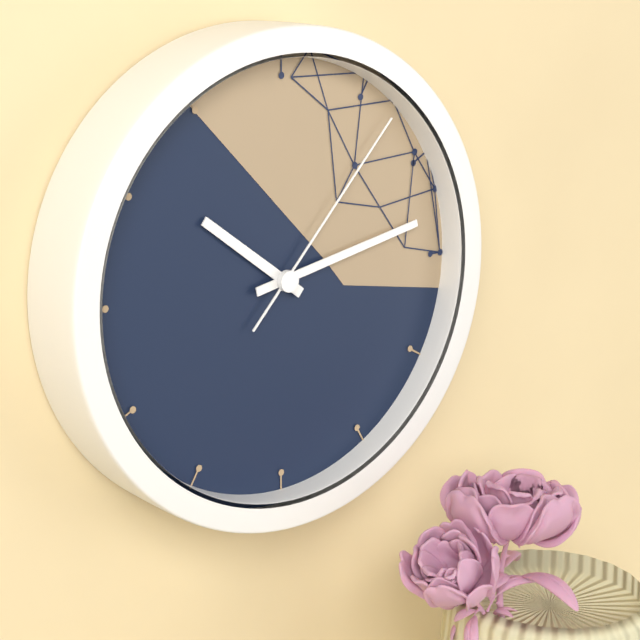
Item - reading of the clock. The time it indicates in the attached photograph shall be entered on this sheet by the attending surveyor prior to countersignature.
10:13:07
